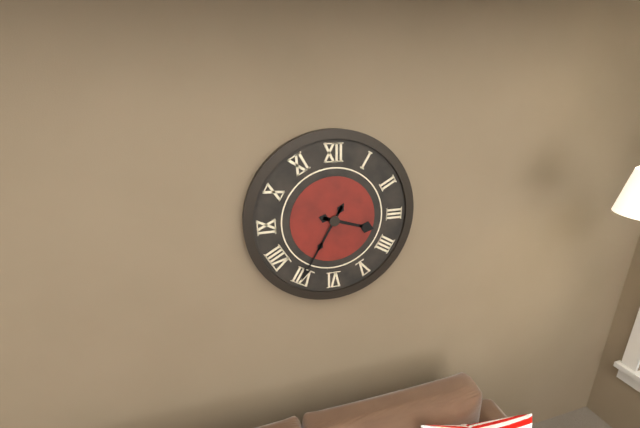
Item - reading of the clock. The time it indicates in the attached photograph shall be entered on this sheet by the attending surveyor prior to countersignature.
3:35
